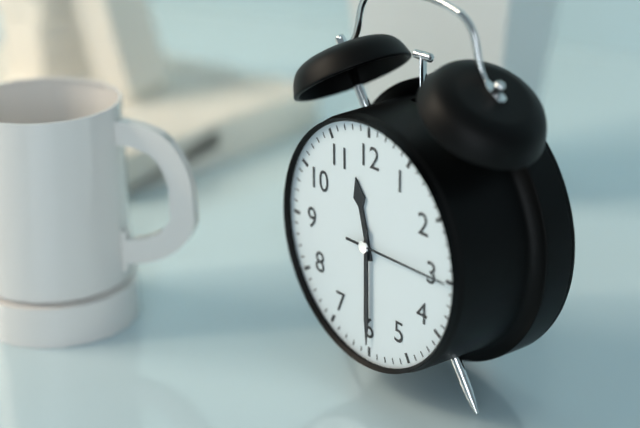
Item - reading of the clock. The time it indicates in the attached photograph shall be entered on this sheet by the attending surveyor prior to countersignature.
11:30:15
